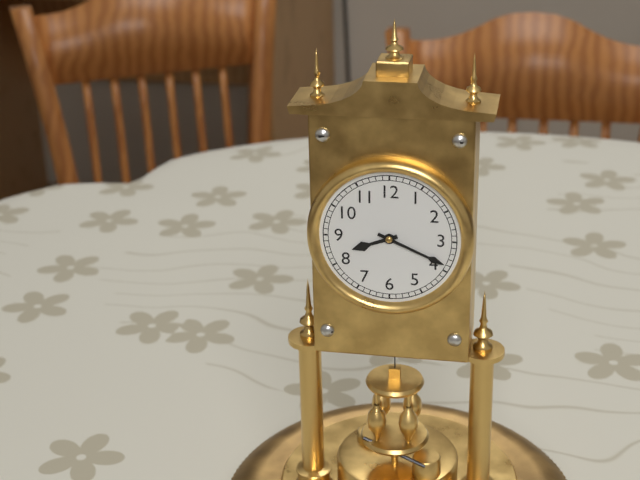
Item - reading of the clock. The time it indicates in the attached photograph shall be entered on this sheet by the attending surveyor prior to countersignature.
8:19
